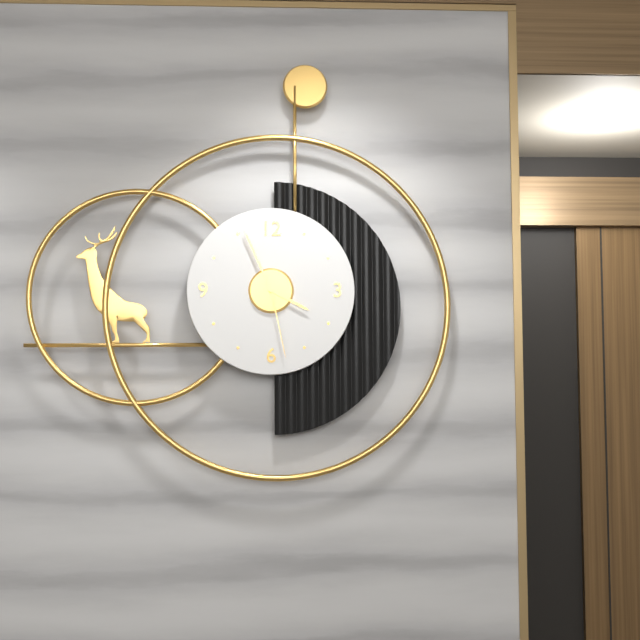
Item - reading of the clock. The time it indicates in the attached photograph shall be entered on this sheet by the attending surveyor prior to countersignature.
3:56:28
